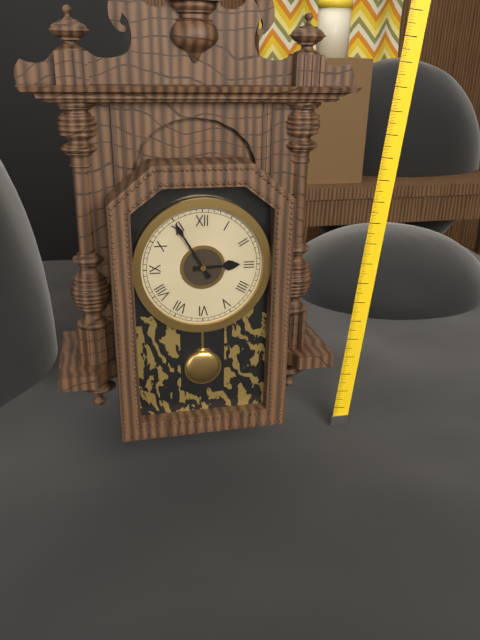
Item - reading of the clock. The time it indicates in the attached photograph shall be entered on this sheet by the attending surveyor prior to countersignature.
2:55
